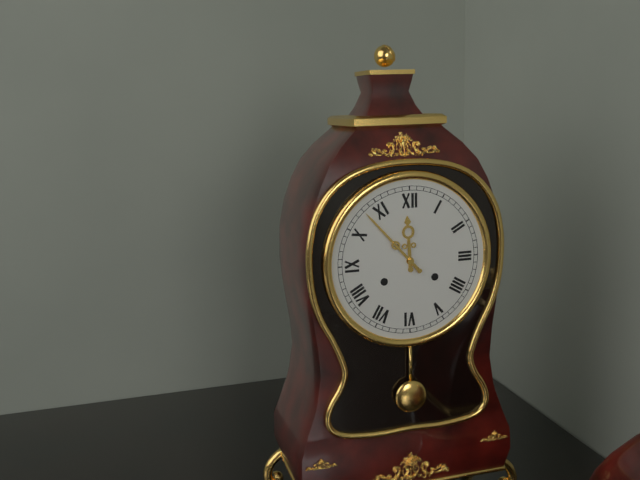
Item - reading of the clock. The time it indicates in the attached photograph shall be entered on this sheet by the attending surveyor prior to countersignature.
11:53
